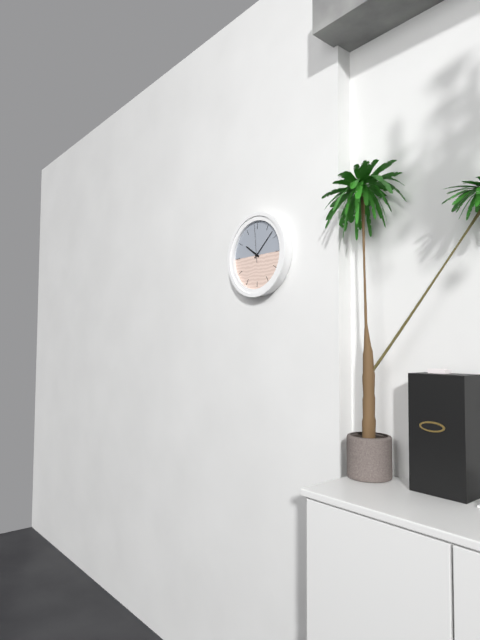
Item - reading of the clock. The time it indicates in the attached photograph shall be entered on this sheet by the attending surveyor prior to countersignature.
10:08
